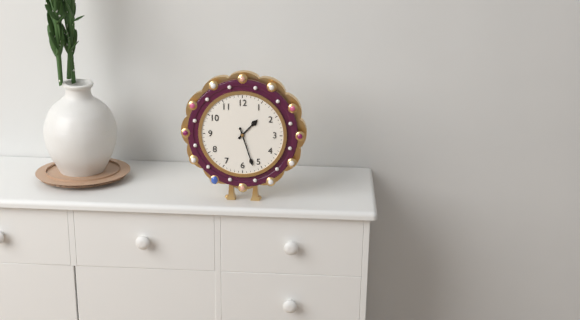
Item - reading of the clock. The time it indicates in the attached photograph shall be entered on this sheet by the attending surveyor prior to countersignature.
1:27
